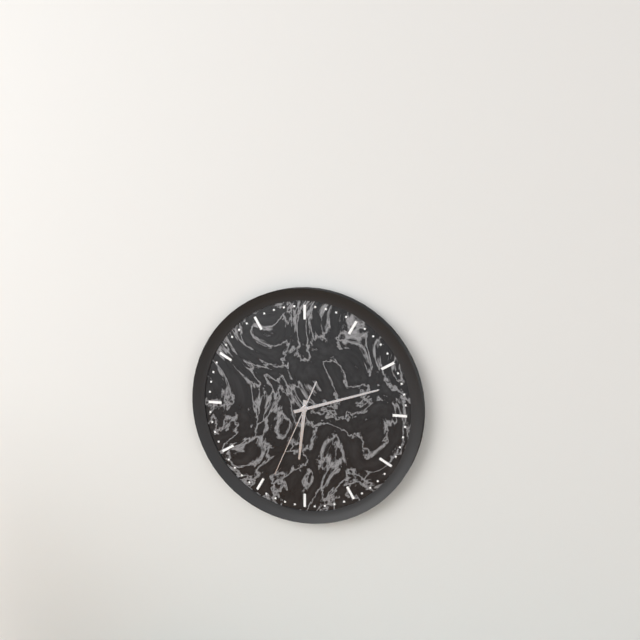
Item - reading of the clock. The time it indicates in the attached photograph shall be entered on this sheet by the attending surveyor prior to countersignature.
6:12:34
